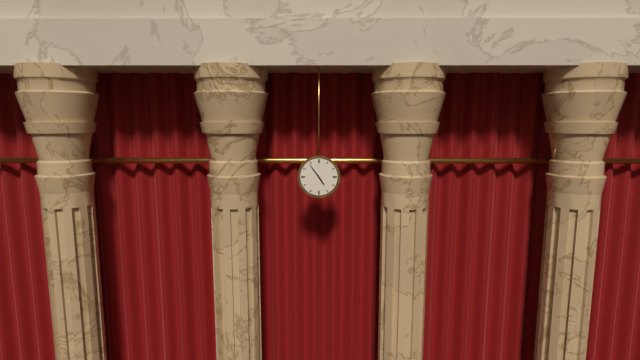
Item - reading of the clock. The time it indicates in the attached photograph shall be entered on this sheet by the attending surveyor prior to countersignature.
4:54
